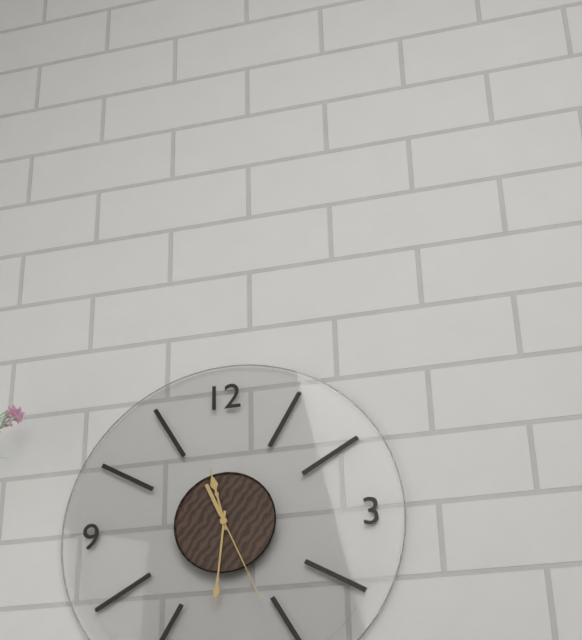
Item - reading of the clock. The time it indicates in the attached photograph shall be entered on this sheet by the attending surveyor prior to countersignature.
11:31:26
